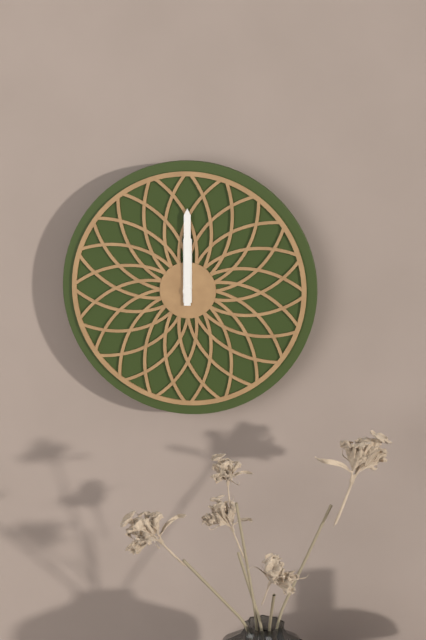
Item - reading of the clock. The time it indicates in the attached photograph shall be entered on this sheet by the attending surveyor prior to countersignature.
12:00
